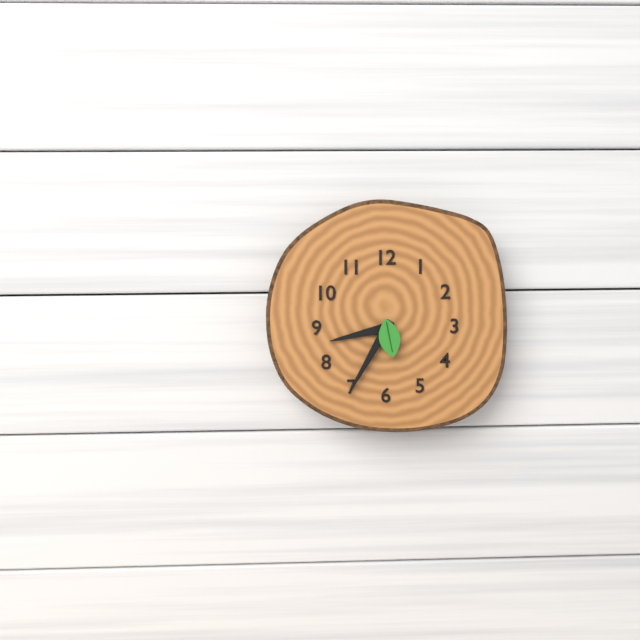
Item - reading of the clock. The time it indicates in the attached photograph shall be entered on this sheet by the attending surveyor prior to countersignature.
8:35
